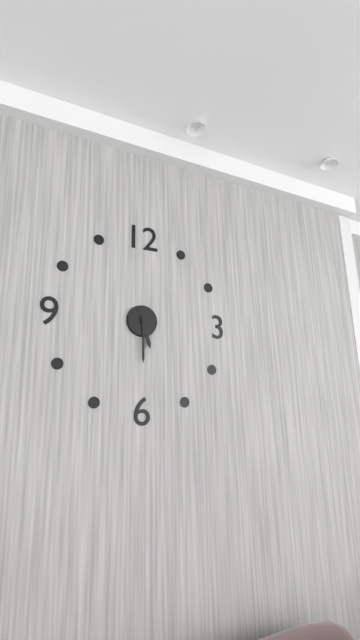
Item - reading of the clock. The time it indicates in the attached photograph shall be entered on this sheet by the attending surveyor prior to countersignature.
5:30
